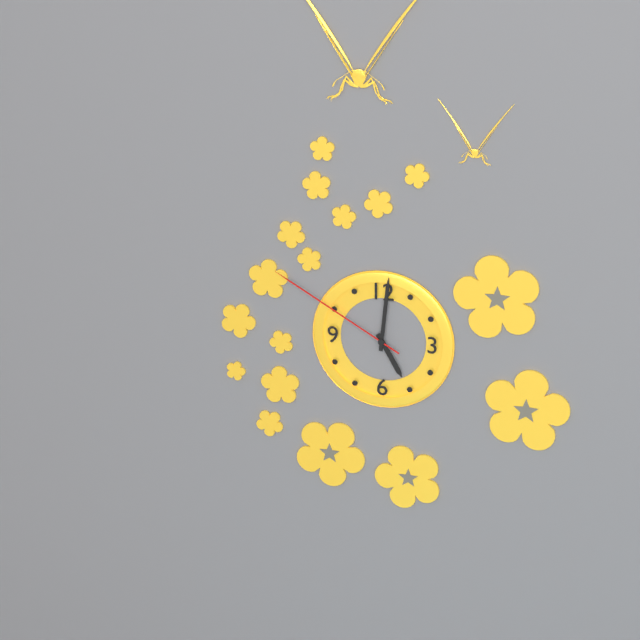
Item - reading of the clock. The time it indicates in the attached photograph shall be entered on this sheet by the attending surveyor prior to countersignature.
5:01:50
